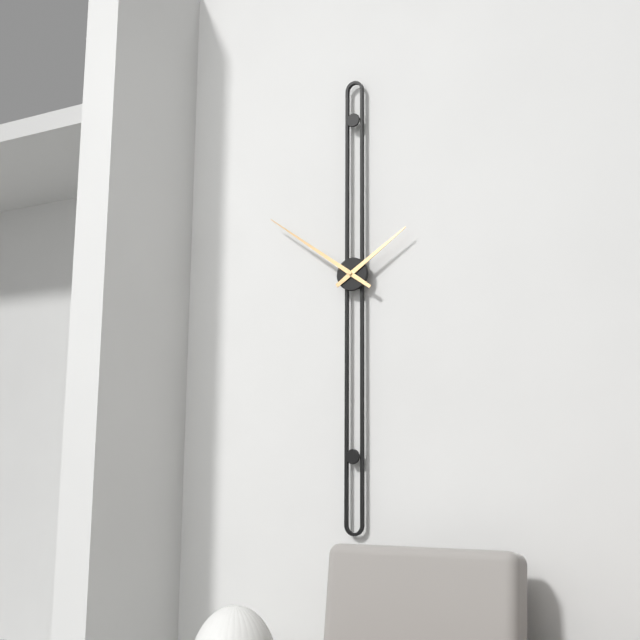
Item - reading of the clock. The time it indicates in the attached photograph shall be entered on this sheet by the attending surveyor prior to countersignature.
1:51
